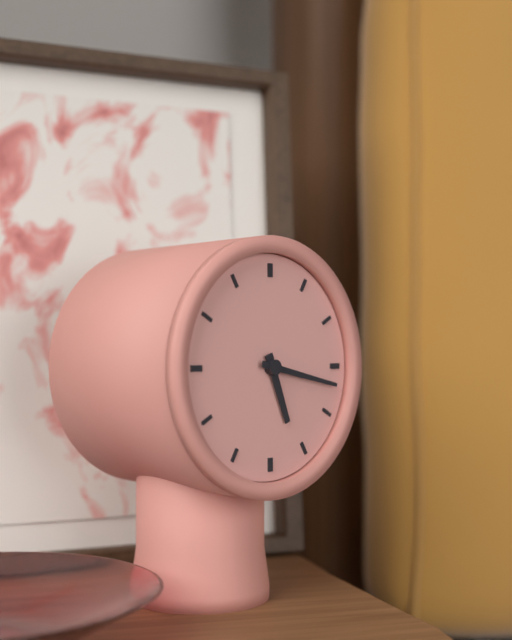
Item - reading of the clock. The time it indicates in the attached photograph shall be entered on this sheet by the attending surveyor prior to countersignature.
5:17
